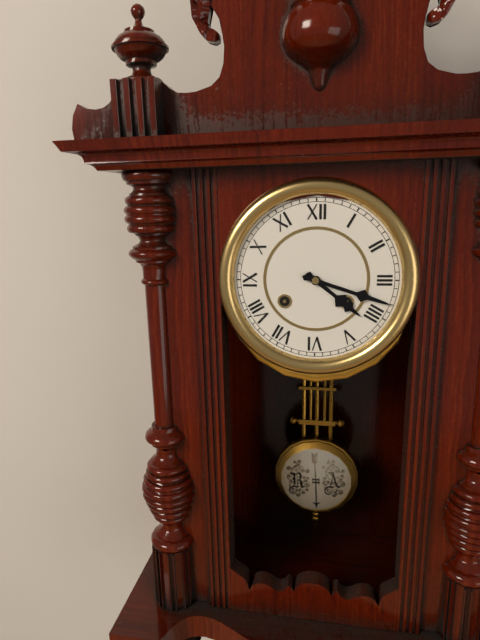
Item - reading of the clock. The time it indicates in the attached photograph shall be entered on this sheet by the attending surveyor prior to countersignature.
4:18
